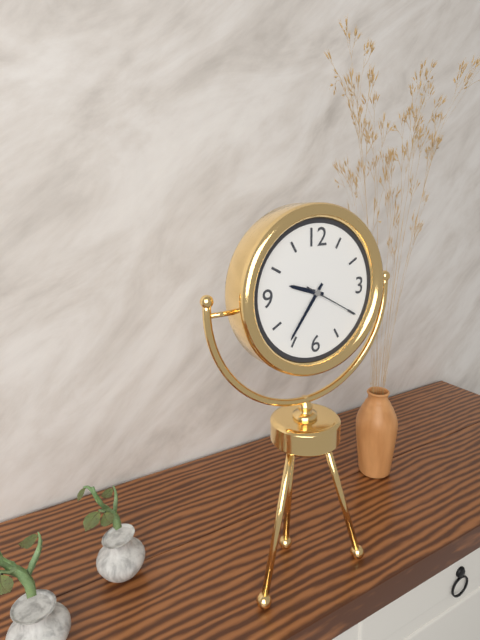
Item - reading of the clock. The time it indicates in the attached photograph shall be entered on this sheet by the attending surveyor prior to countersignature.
9:36:20
